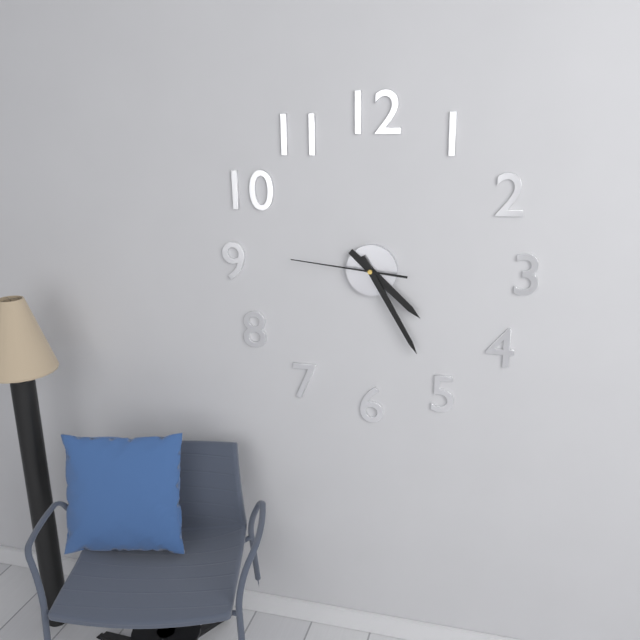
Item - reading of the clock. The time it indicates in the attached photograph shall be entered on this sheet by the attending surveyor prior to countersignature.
4:25:46
